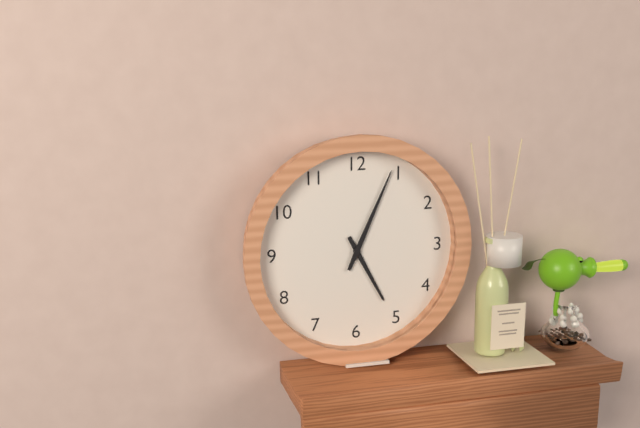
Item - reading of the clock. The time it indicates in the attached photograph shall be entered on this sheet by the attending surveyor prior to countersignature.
5:04
